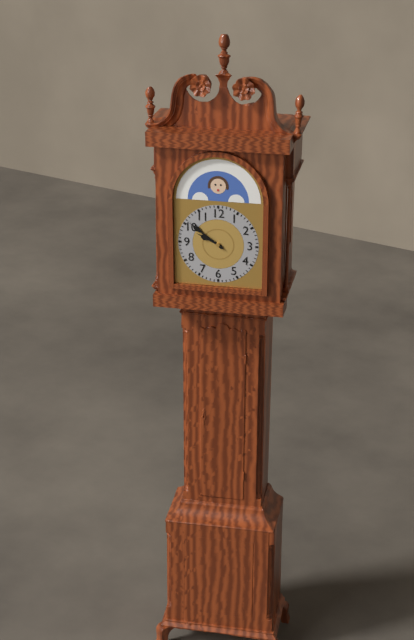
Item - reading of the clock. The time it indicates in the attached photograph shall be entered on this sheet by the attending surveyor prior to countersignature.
9:51
